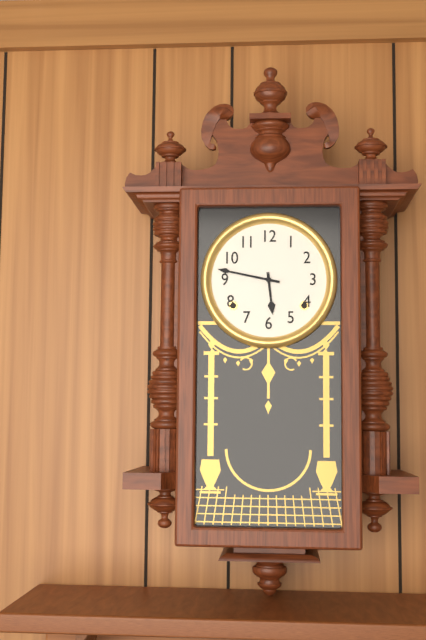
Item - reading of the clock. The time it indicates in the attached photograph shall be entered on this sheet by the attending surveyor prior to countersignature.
5:47
